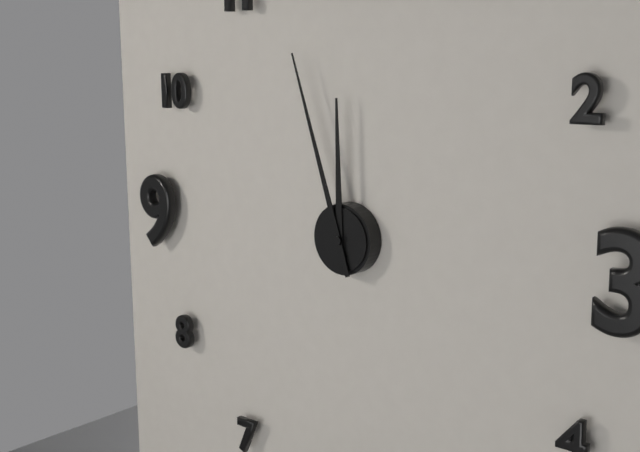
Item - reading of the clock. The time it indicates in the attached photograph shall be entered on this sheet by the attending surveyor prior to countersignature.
11:57
